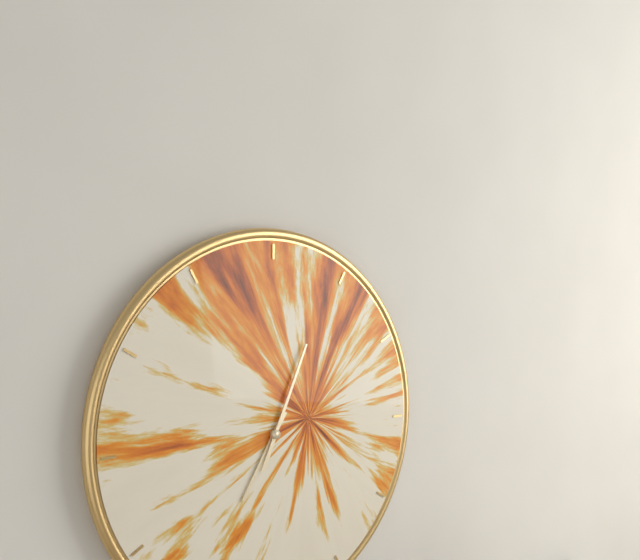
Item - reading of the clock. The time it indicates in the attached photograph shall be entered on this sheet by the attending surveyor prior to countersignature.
7:04
